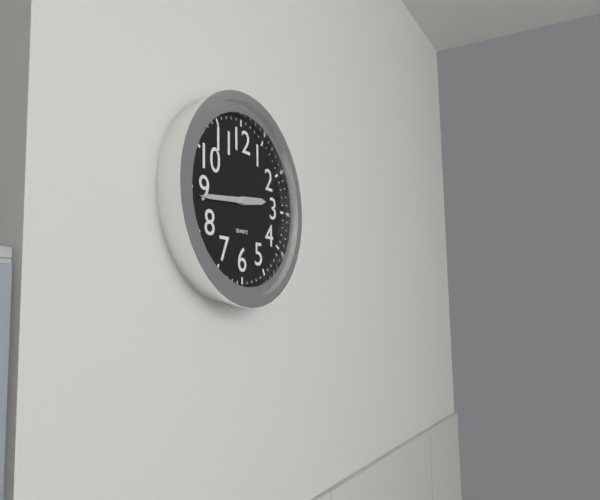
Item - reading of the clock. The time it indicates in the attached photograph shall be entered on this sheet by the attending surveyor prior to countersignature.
2:44
